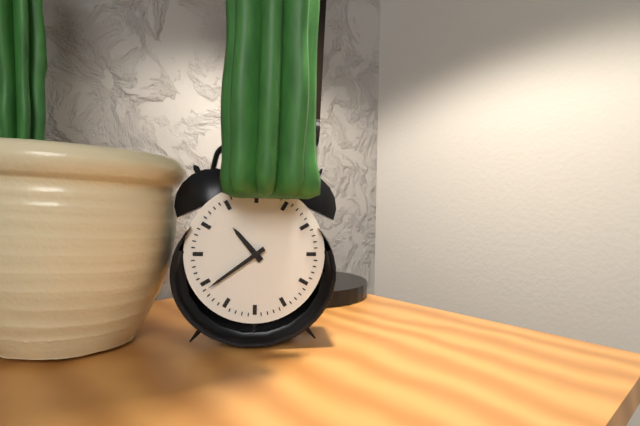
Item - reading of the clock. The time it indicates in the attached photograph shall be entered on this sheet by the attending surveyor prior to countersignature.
10:39
